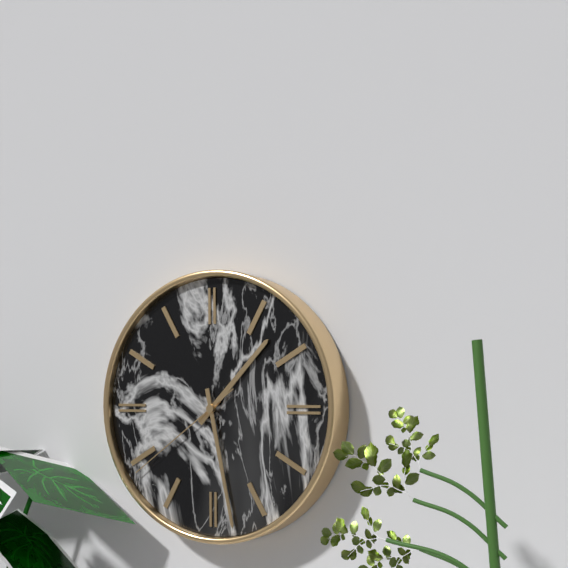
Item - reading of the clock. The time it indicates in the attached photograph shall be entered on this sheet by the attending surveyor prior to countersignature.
1:28:39
